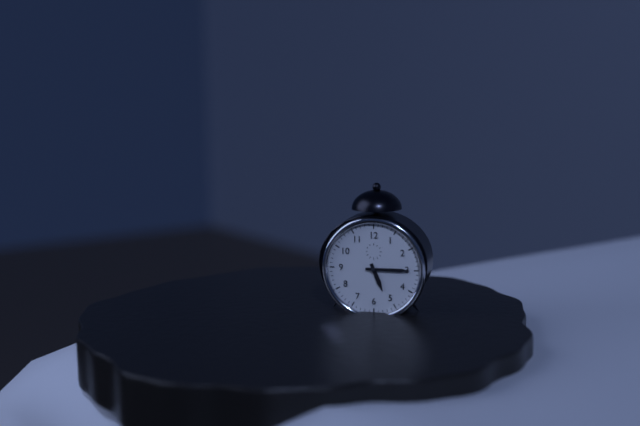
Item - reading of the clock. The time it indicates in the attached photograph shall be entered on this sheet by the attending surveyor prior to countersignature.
5:15
